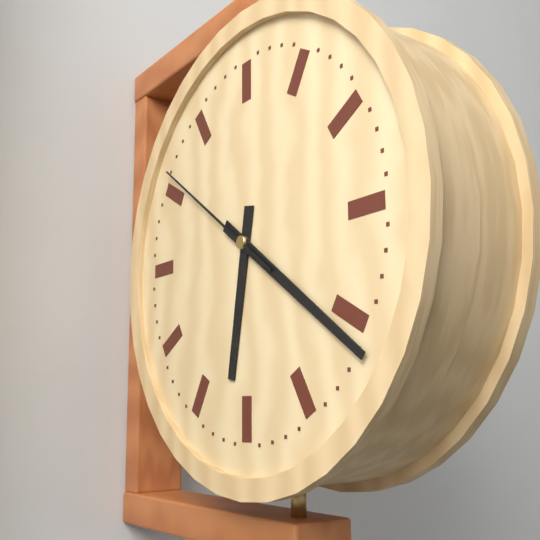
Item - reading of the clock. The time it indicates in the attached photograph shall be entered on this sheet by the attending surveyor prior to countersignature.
6:21:51
